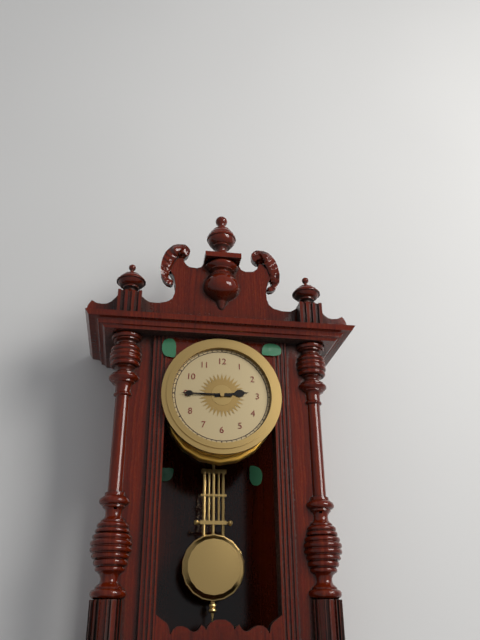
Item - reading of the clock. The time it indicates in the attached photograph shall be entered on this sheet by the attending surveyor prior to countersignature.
2:45
